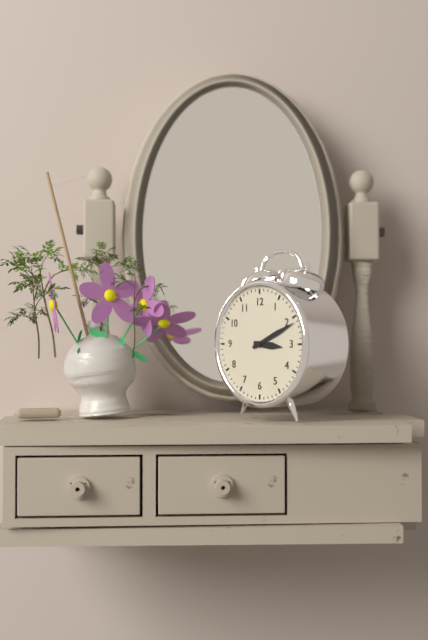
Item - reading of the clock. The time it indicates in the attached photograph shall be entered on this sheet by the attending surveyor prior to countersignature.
3:11
